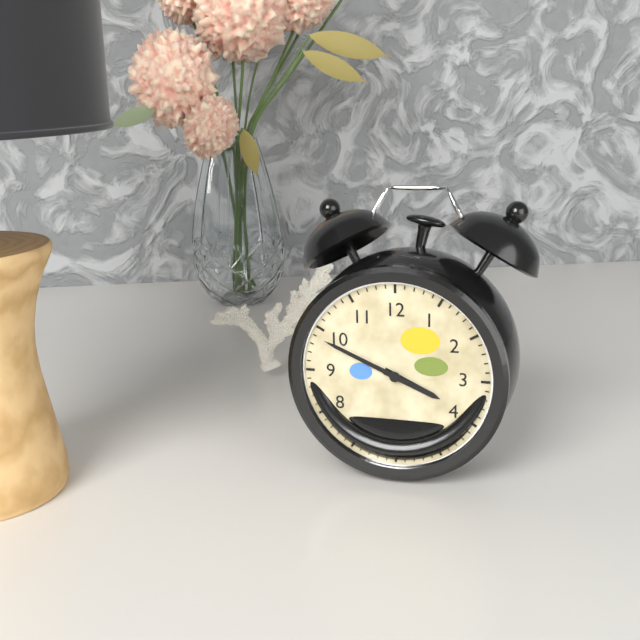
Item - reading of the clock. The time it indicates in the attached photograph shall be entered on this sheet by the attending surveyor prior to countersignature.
3:49
